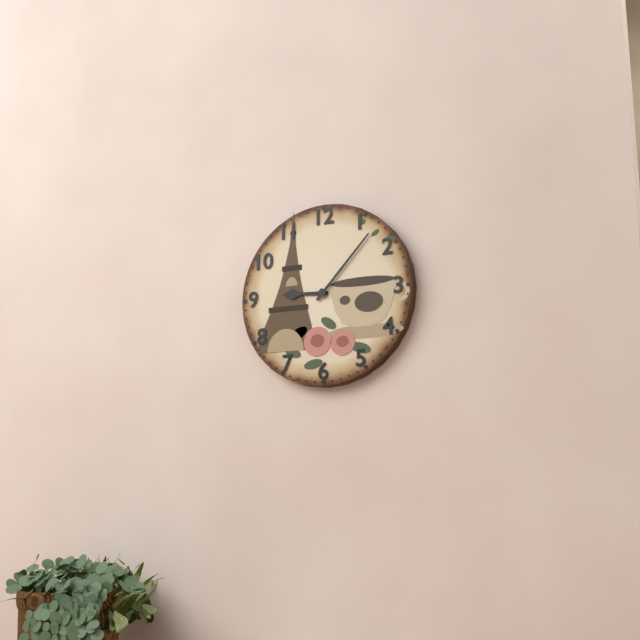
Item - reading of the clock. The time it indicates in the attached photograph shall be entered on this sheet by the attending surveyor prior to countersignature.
9:07
